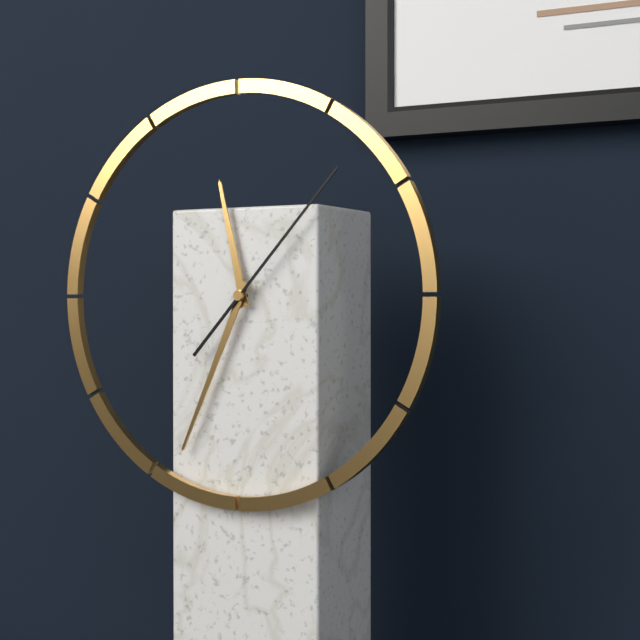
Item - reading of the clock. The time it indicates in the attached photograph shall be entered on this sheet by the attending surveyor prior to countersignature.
11:34:07
